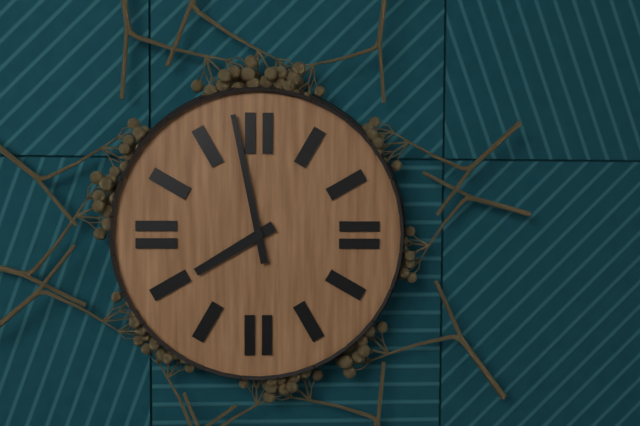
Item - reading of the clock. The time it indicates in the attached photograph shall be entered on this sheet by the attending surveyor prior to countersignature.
7:58
